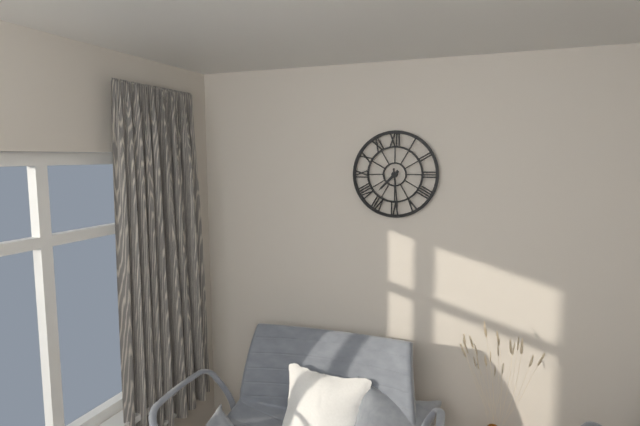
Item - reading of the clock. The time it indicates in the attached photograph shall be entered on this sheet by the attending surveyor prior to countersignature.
7:29
